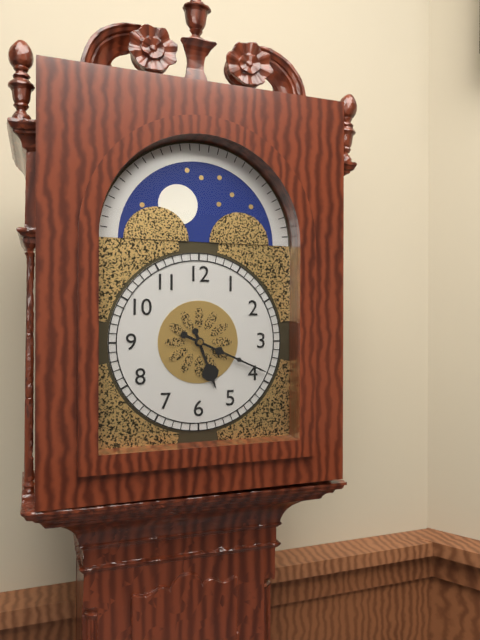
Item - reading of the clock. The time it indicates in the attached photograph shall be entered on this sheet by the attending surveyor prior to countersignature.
5:19
